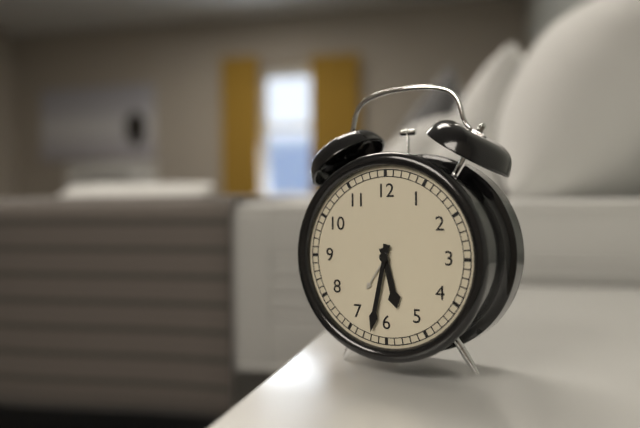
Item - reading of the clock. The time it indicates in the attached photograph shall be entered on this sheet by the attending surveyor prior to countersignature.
5:32
